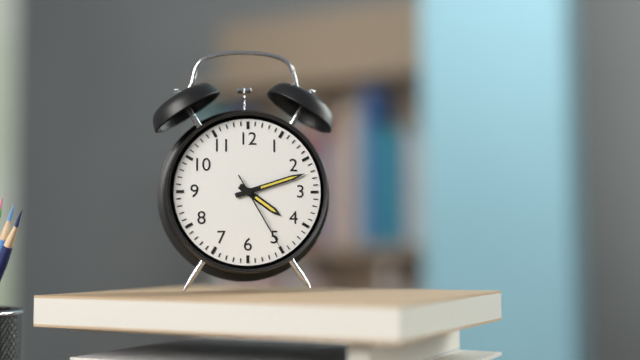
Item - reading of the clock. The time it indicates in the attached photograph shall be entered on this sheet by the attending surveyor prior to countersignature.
4:12:25
